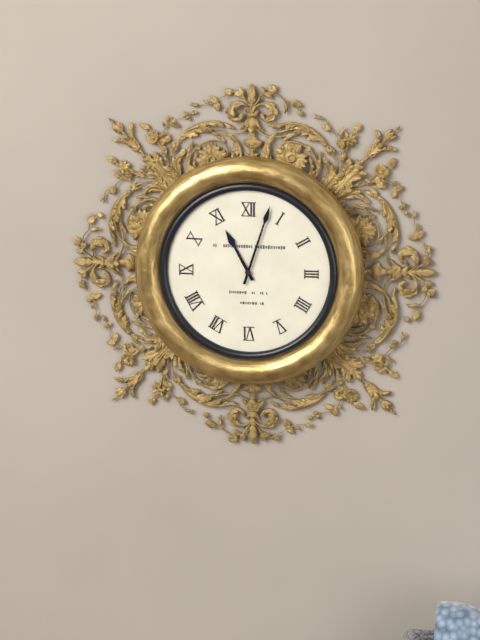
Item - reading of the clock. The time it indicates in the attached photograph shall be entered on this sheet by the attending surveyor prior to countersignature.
11:03
